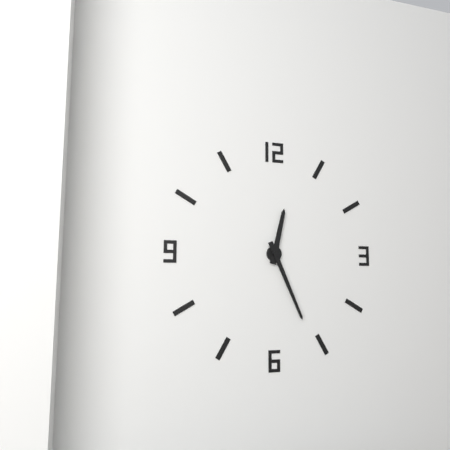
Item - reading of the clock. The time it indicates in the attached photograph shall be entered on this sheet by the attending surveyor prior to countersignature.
12:26
